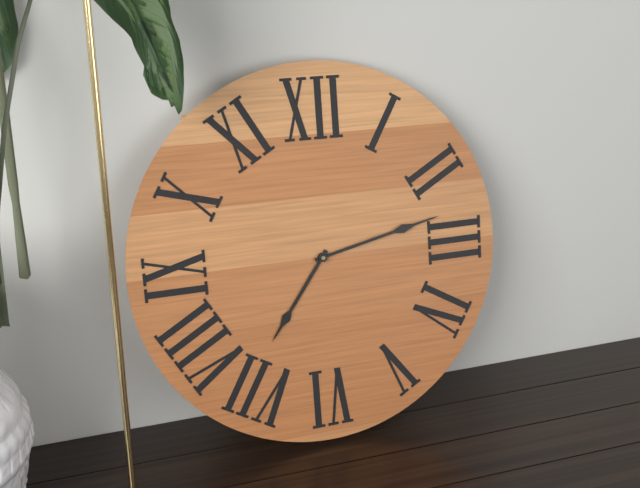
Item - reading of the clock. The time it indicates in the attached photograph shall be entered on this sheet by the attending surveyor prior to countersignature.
7:13
